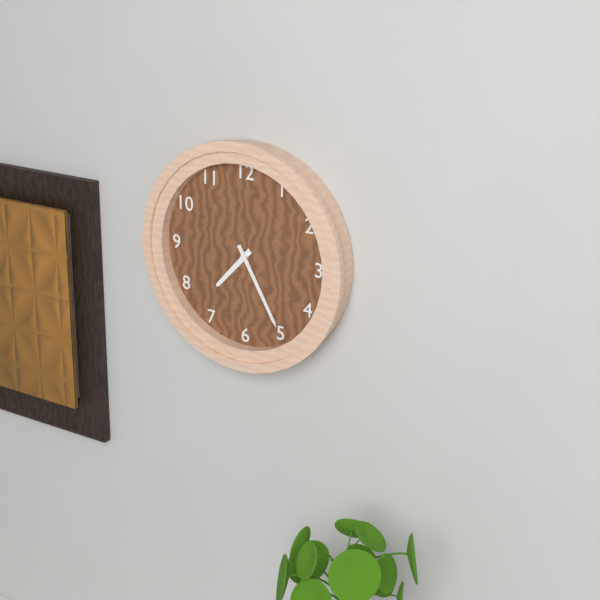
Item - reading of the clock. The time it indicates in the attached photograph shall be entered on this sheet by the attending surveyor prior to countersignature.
7:25
